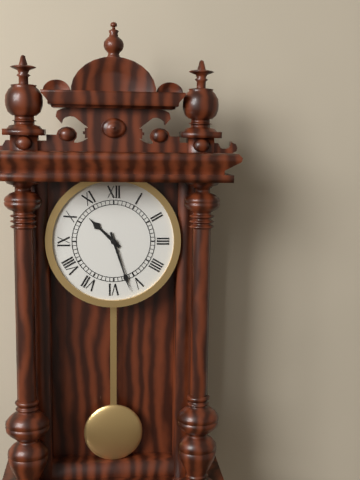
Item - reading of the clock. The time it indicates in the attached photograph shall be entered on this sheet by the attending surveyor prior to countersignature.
10:27
